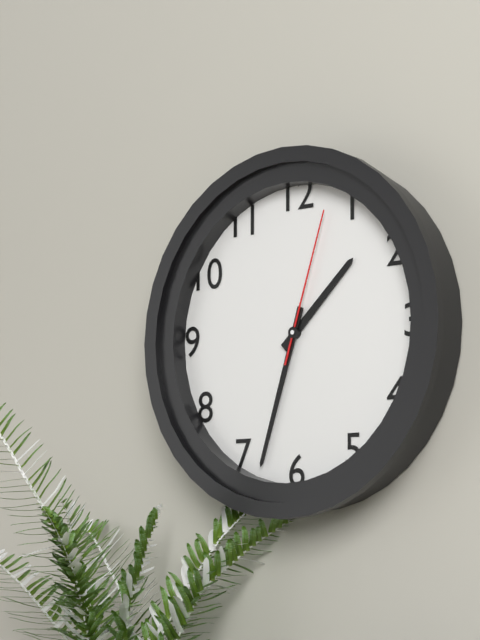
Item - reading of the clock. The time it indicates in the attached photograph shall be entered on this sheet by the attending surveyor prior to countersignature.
1:33:03
